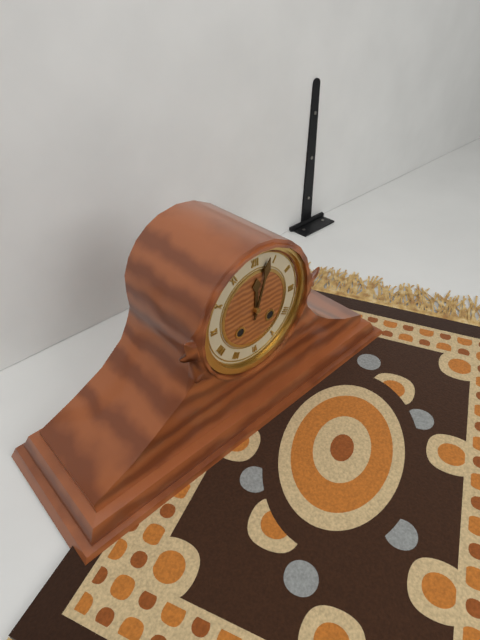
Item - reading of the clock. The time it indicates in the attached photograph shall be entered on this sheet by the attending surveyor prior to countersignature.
12:03
